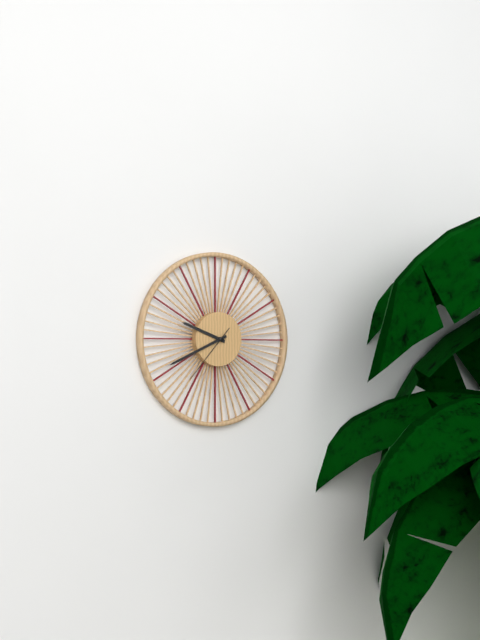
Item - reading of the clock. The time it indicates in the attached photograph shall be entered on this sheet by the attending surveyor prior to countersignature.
9:41:37
